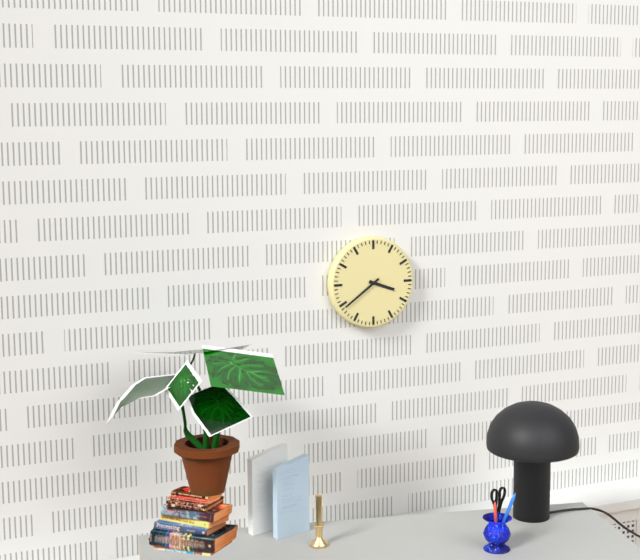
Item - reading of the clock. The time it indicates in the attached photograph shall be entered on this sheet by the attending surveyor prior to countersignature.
3:39
